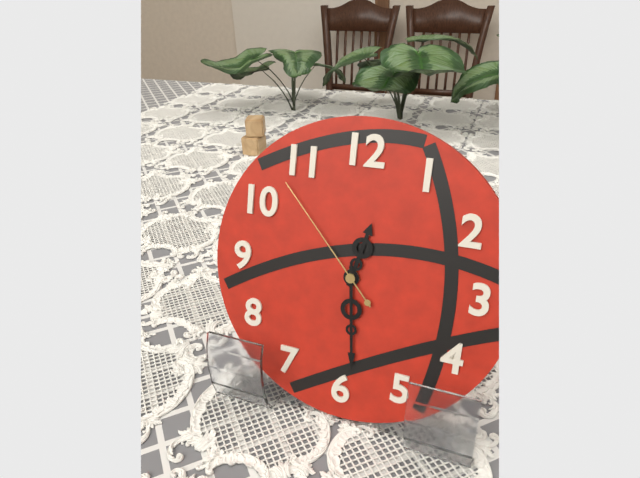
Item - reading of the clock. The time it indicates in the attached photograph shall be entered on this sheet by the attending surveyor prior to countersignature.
12:29:53
